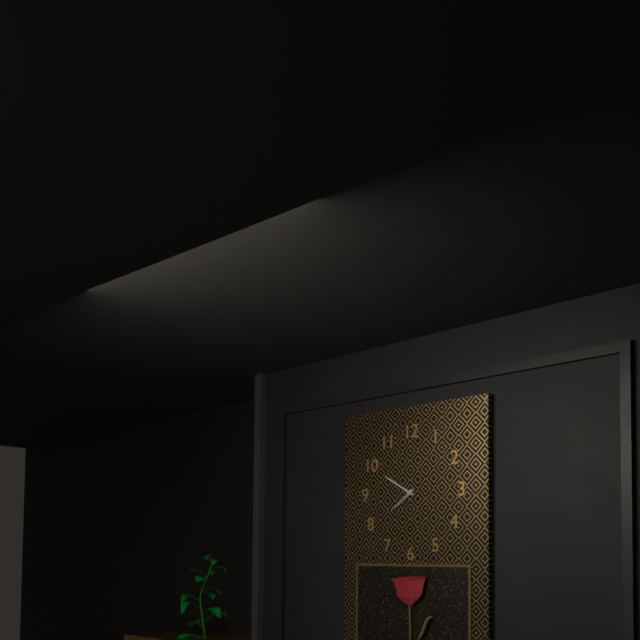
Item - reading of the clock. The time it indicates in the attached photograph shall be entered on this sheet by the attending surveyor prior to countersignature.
7:50
